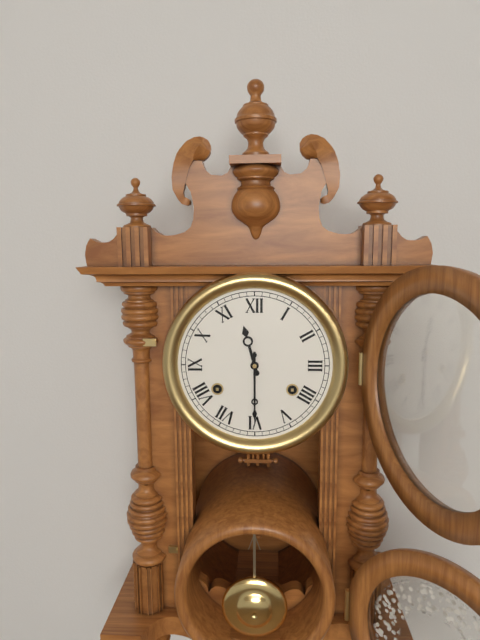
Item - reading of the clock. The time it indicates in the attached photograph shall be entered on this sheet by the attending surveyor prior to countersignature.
11:30
